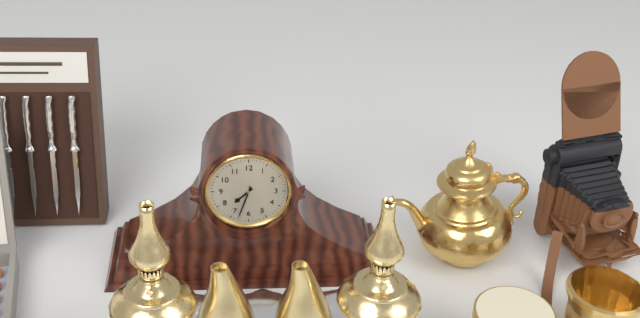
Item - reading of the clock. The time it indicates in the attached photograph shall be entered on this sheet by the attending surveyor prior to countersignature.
7:33
